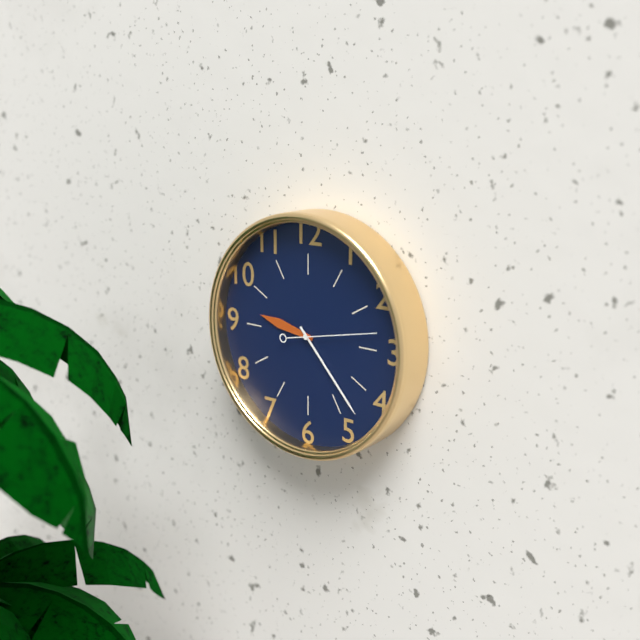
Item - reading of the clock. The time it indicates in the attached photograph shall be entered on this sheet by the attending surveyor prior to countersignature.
9:23:13
